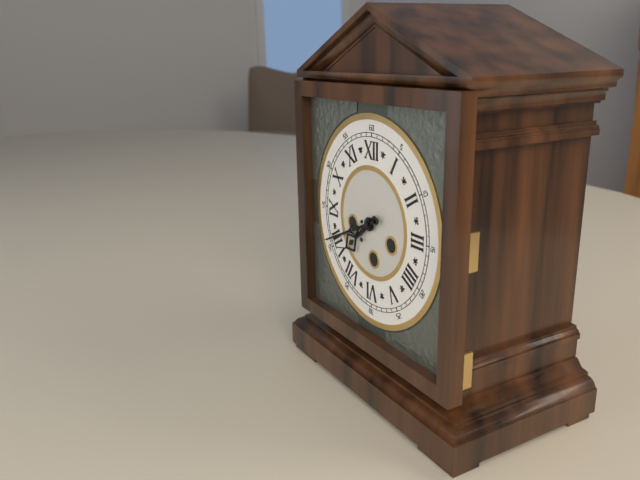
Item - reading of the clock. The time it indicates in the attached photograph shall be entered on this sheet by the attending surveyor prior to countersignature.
7:41
